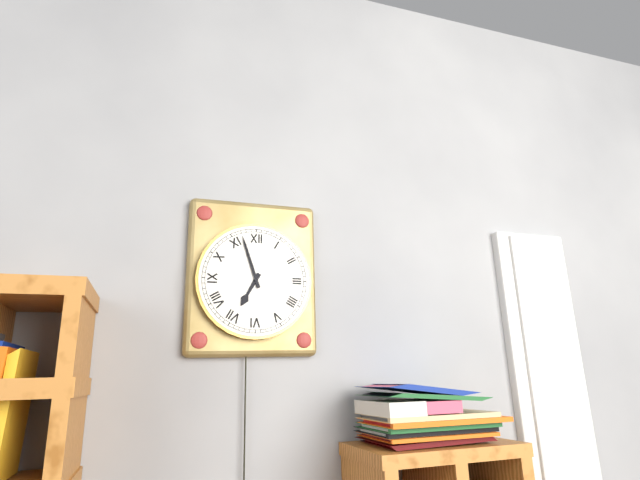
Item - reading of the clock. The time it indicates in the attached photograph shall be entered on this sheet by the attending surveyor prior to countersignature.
6:57
